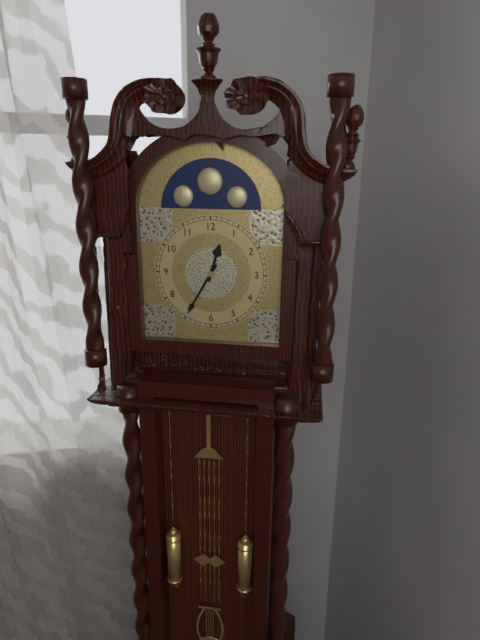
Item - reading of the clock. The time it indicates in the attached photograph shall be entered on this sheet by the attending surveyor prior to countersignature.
12:35
